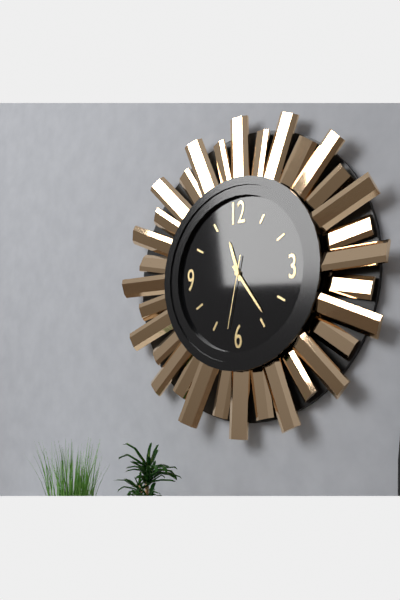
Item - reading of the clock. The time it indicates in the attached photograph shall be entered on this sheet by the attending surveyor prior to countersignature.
11:24:32
